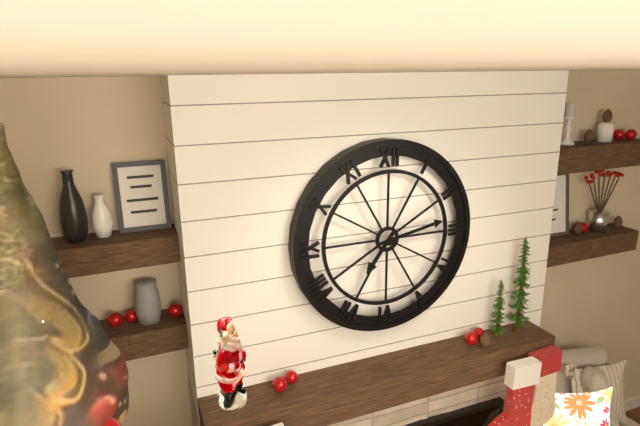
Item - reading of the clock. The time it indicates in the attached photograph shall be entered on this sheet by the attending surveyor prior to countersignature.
7:13
